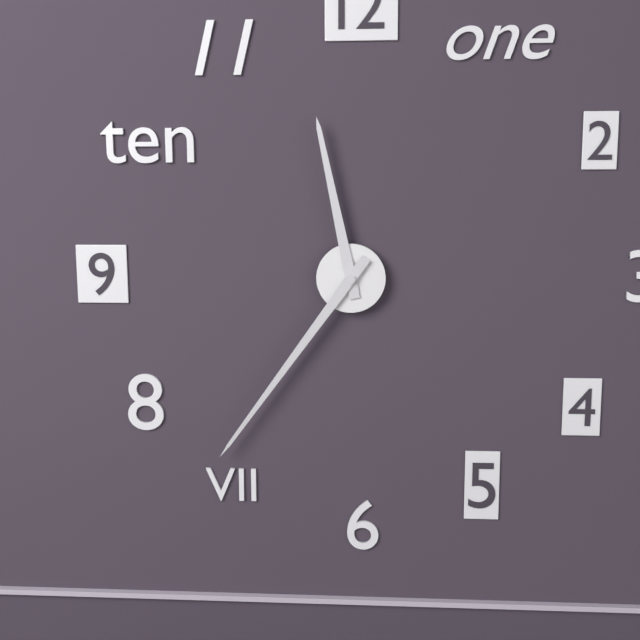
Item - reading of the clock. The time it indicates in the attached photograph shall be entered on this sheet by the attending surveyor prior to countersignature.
11:36
